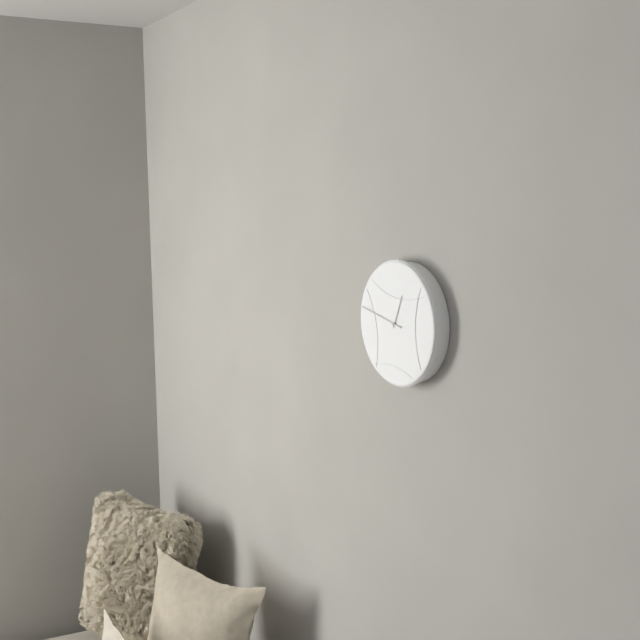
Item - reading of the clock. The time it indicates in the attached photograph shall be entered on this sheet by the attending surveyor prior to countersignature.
12:47
